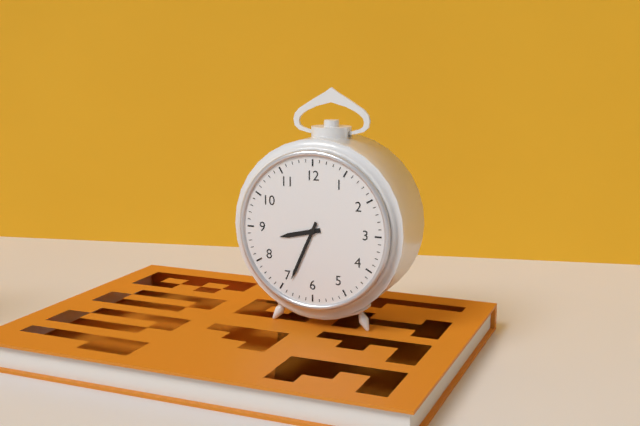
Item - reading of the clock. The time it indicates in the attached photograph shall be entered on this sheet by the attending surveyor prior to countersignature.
8:34
